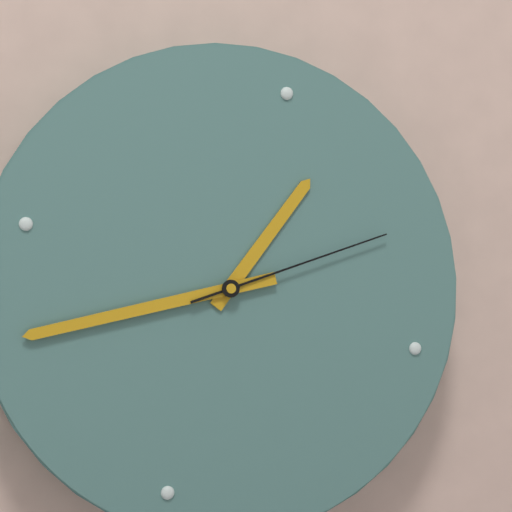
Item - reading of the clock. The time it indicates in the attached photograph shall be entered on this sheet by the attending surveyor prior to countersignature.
12:40:09
